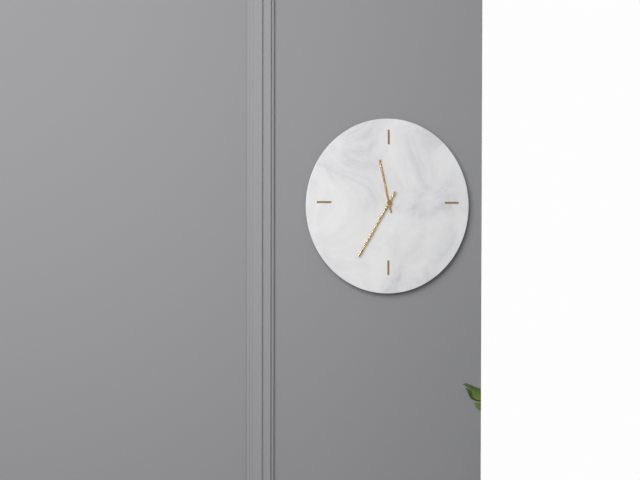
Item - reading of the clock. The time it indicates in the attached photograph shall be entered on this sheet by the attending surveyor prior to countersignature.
11:35
